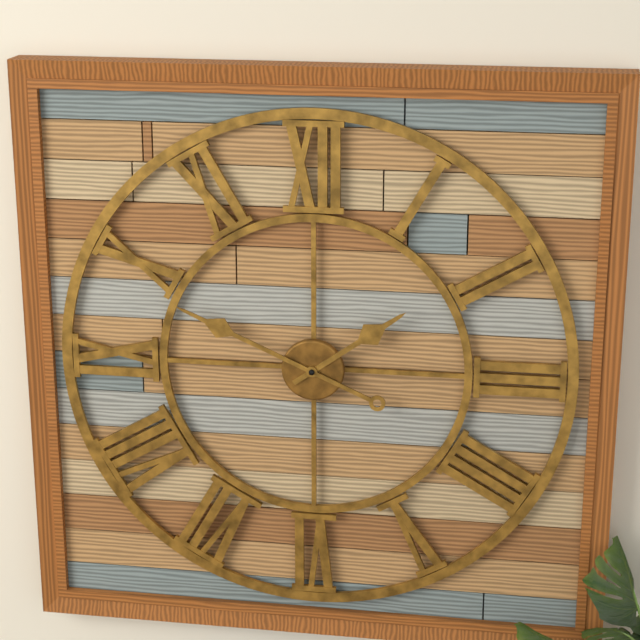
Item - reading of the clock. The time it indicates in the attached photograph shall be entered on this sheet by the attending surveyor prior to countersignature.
1:49
